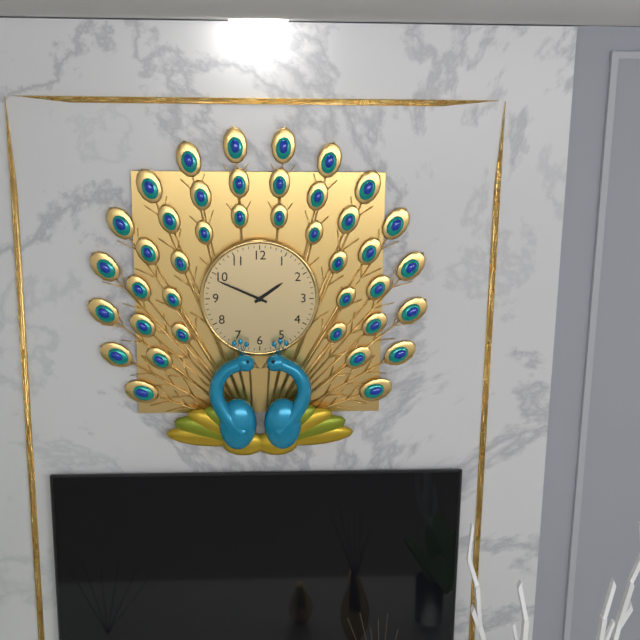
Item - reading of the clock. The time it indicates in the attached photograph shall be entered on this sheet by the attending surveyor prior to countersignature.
1:49
